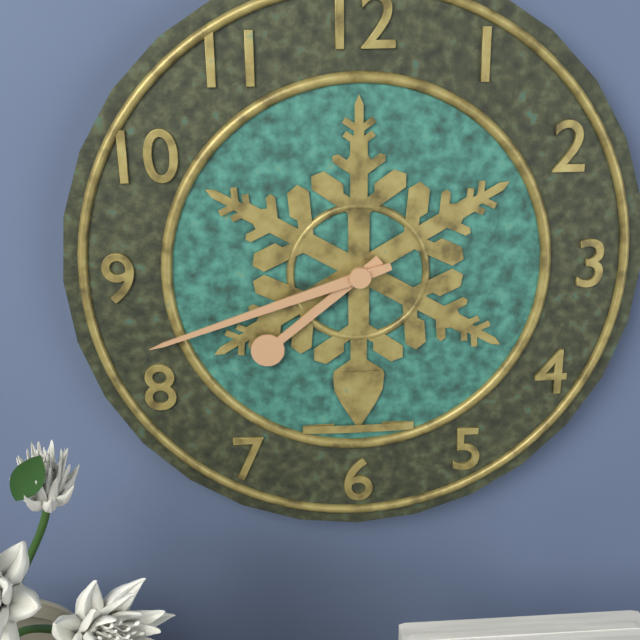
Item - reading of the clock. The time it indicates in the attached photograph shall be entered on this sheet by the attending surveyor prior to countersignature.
7:42
